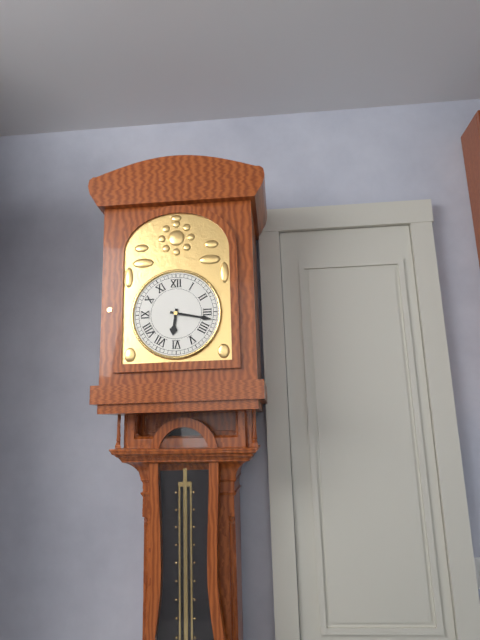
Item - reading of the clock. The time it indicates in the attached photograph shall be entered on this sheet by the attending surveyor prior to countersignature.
6:17
